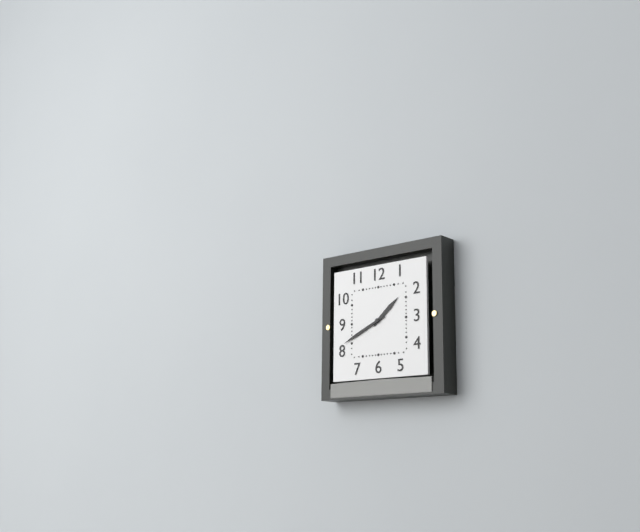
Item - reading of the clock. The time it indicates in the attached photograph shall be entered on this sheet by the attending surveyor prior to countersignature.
1:41
